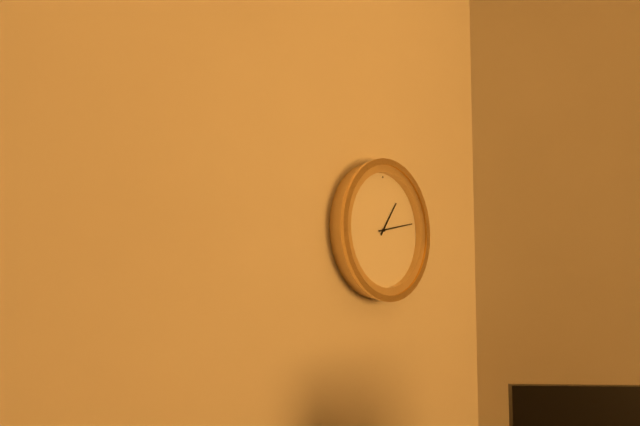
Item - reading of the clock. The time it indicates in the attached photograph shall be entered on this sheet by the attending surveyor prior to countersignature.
1:13
